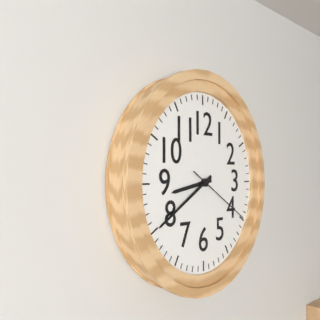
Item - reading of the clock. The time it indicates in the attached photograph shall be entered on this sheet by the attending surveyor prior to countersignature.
8:40:20
